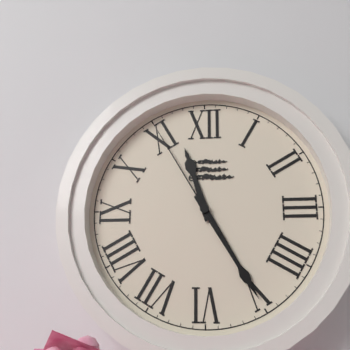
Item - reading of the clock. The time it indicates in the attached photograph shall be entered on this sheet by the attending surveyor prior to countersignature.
11:25:55
